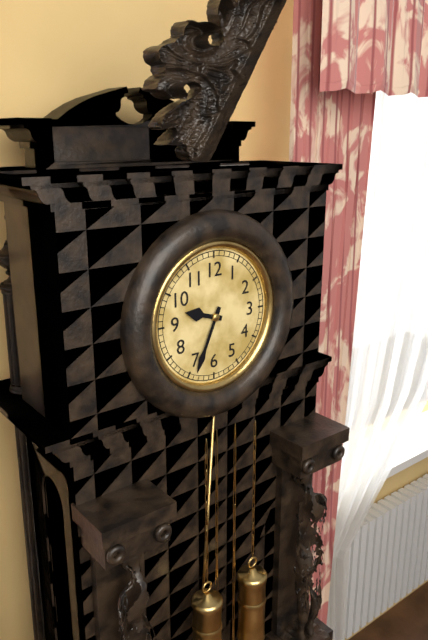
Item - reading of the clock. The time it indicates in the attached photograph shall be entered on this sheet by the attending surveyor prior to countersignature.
9:34
